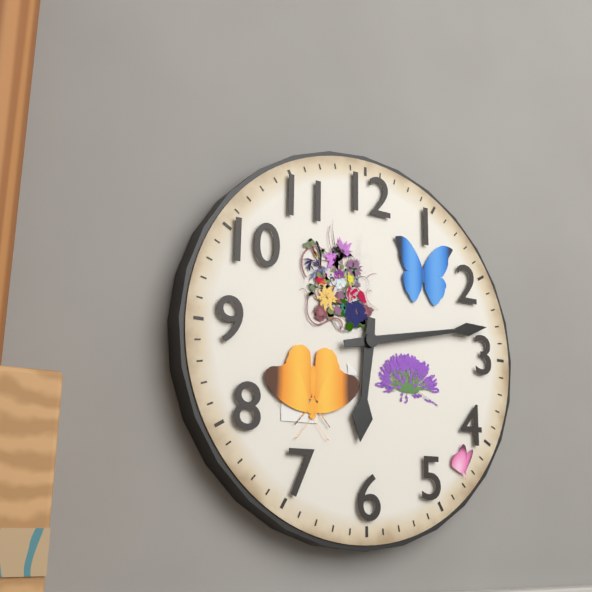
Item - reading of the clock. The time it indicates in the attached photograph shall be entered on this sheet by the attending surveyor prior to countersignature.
6:13
